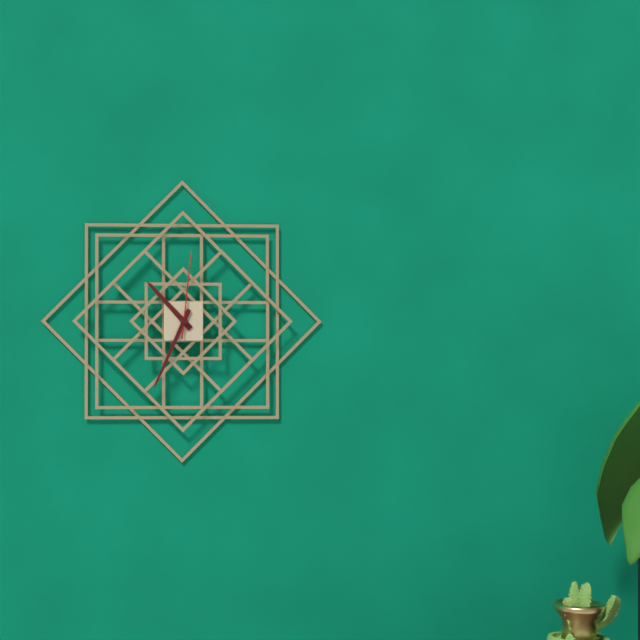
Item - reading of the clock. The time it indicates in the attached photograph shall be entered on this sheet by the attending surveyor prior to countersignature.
10:34:01
